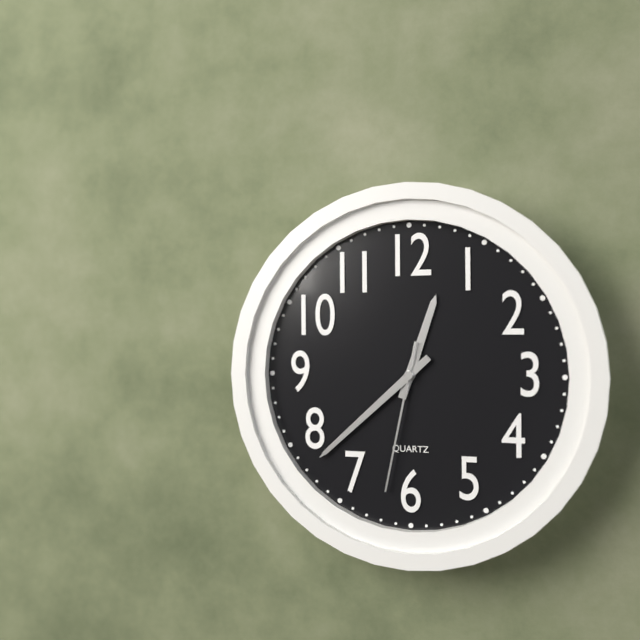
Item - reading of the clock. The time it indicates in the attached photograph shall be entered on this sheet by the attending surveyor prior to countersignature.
12:38:32
